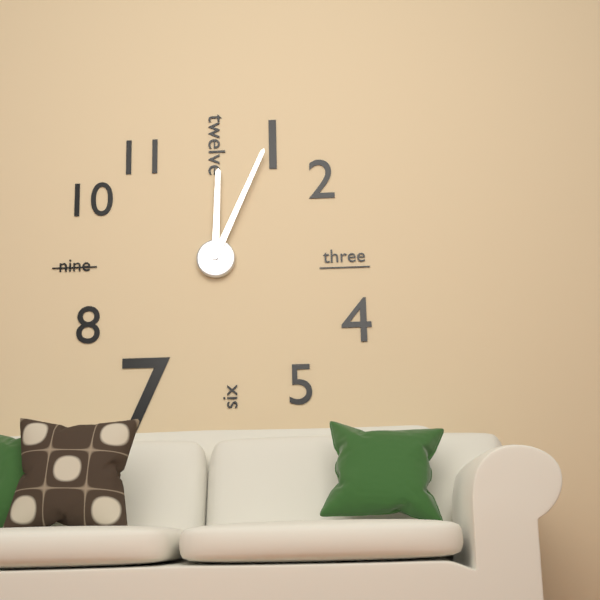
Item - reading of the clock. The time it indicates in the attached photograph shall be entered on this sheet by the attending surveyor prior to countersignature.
12:04
